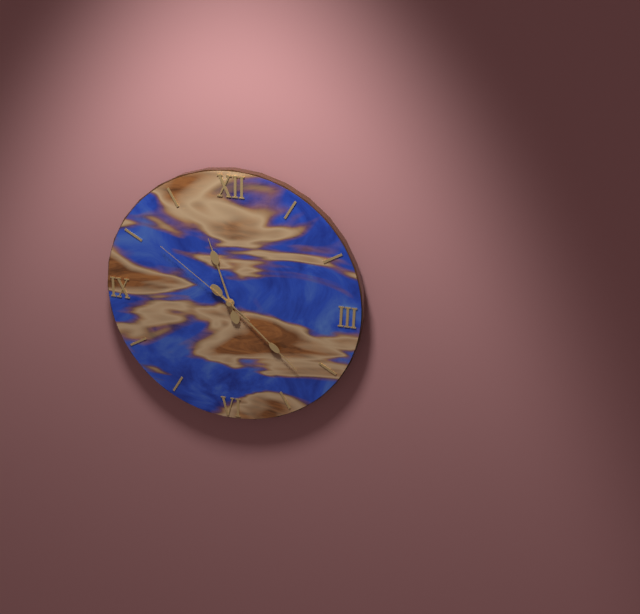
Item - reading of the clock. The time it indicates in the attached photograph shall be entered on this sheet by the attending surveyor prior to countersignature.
11:22:51
